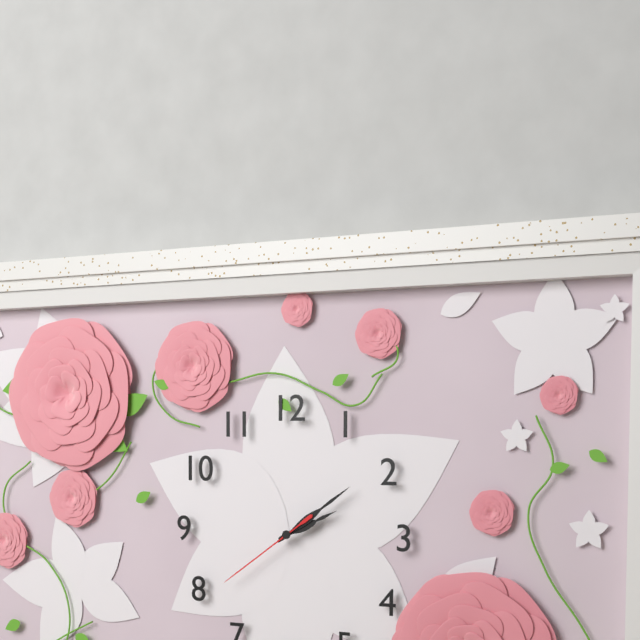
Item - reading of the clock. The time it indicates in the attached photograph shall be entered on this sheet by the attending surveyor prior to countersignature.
2:09:39
